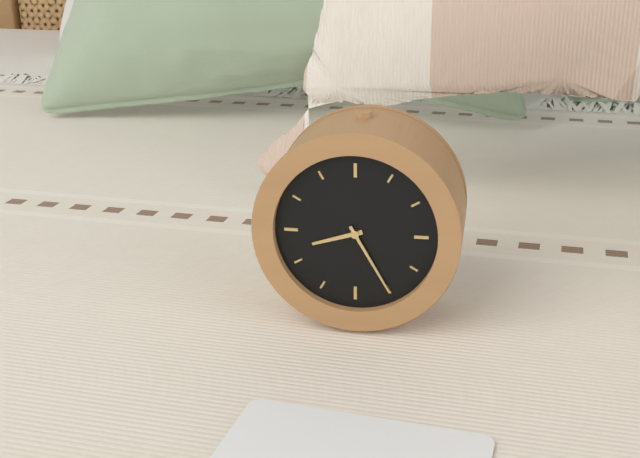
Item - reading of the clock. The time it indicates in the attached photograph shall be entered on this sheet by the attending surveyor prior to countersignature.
8:25
